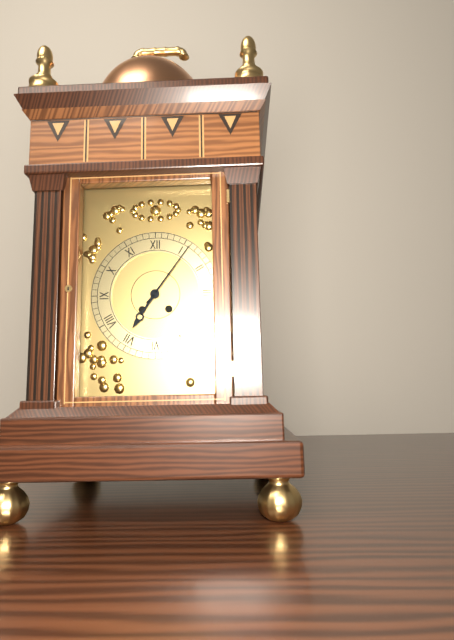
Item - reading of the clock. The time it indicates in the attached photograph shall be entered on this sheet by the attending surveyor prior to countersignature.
7:06
